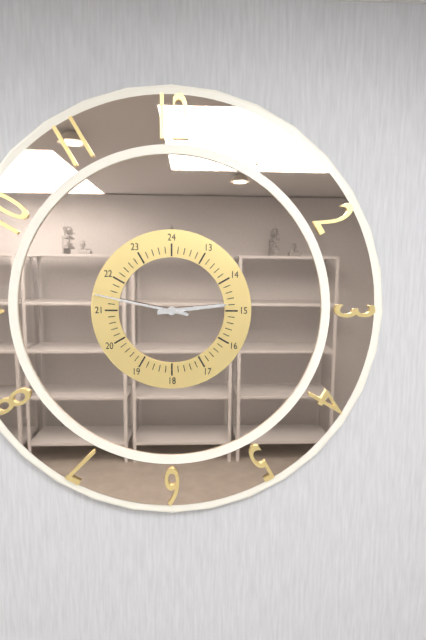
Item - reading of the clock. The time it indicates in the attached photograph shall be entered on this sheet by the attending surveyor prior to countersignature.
2:47
